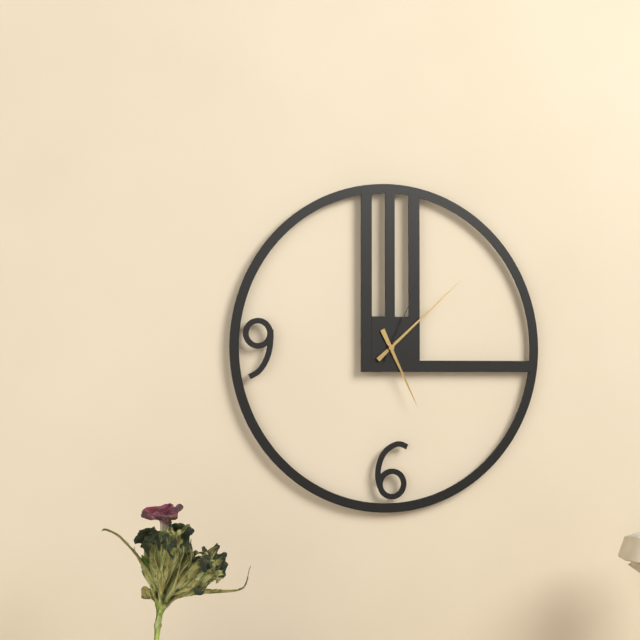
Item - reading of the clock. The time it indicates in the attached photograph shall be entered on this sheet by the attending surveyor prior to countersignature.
5:08:04
